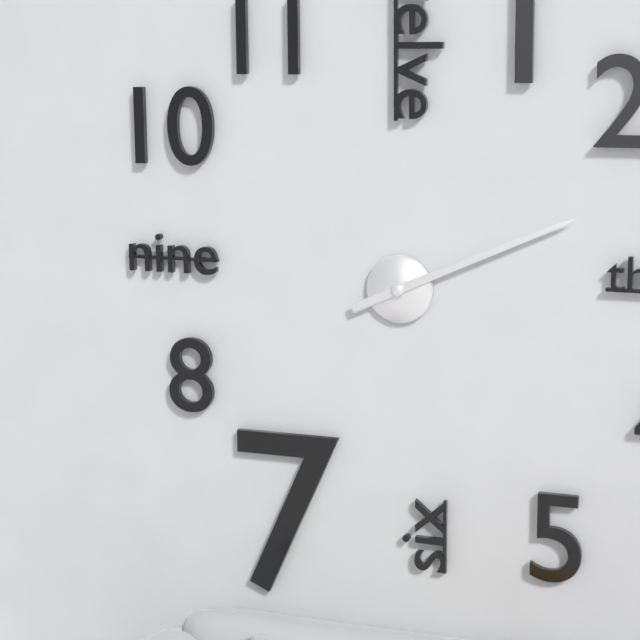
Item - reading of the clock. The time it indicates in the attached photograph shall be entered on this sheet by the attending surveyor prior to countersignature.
2:11
